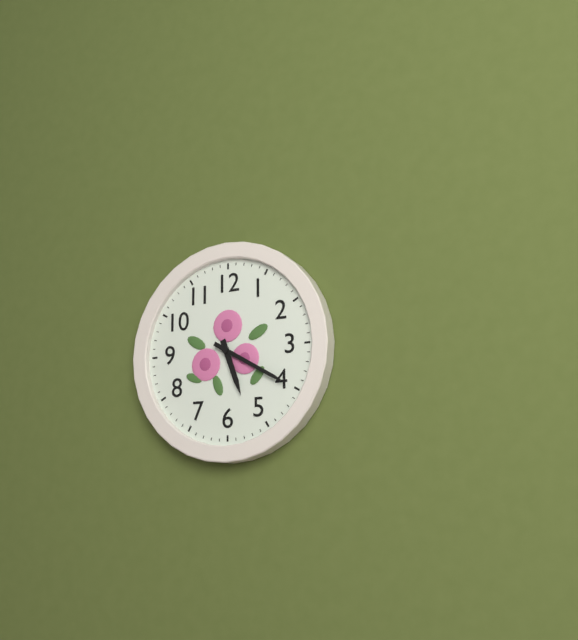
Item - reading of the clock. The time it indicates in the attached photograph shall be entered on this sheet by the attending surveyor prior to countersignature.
5:20
